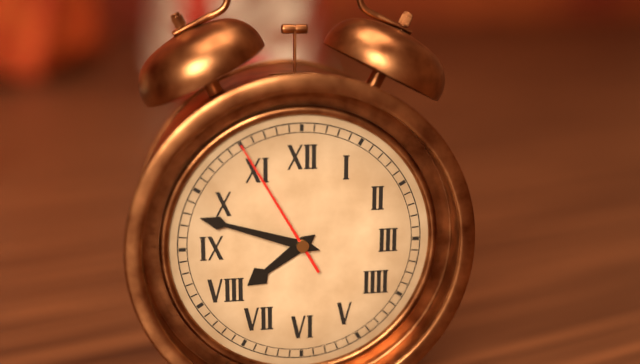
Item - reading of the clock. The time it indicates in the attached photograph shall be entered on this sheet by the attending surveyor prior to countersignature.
7:48:55
